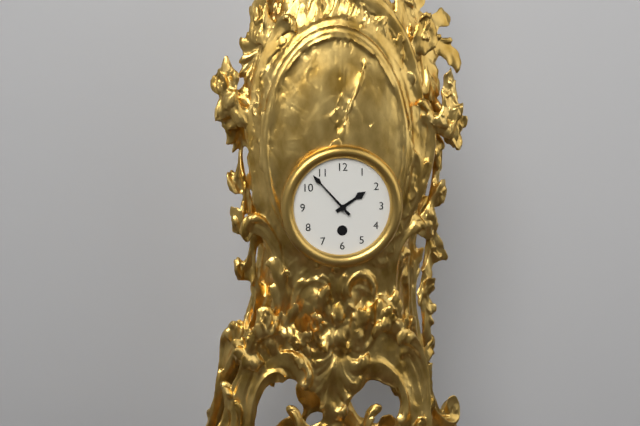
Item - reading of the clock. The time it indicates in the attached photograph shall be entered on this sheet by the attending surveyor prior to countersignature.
1:53
